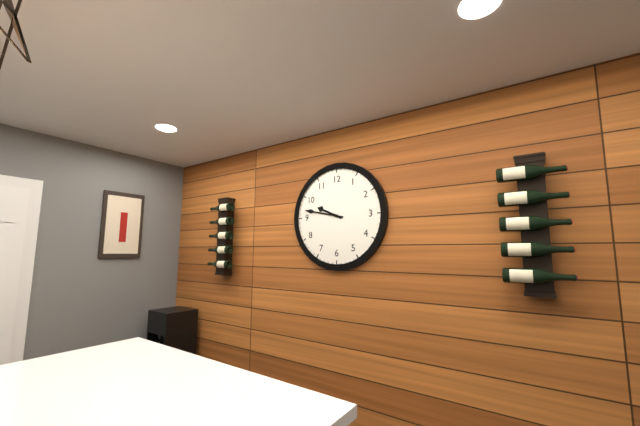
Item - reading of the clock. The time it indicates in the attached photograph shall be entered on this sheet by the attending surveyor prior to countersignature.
9:47
